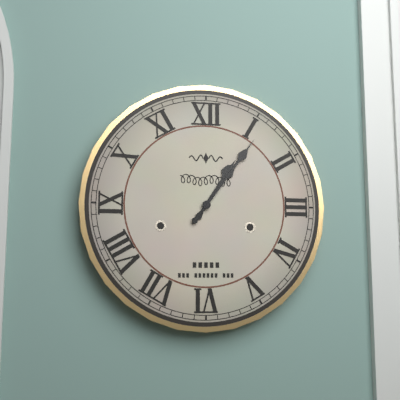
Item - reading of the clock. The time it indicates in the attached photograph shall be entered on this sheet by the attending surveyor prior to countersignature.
1:06
